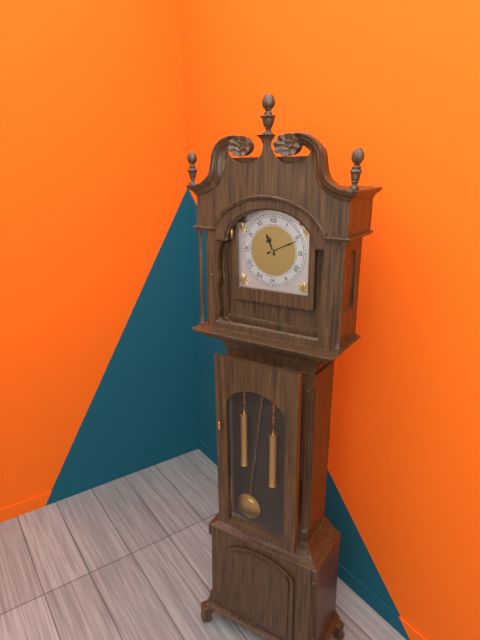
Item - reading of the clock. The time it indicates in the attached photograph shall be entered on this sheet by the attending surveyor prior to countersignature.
11:11
